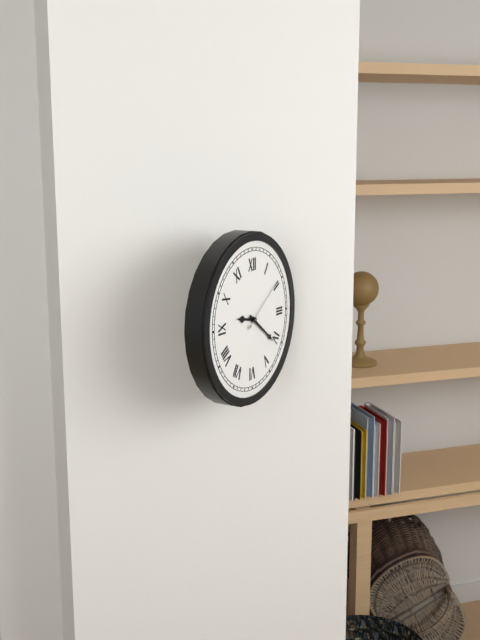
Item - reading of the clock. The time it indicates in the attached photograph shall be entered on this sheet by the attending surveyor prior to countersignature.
9:21:09
